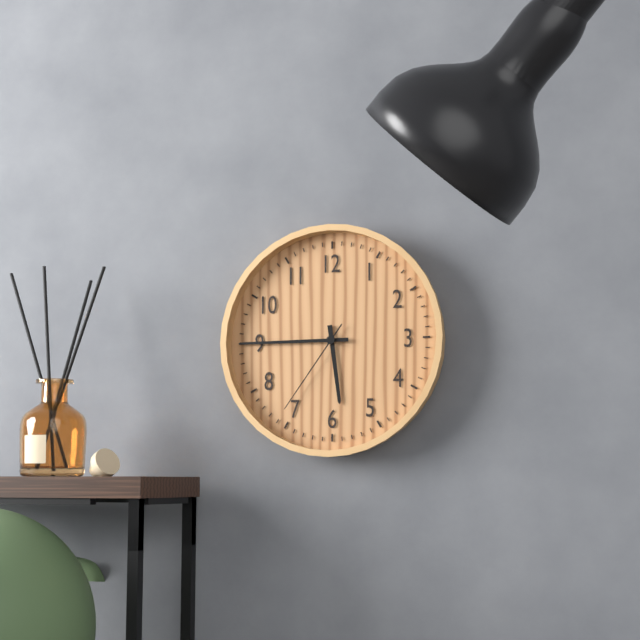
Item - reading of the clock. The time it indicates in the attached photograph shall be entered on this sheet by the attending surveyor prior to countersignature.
5:45:36
